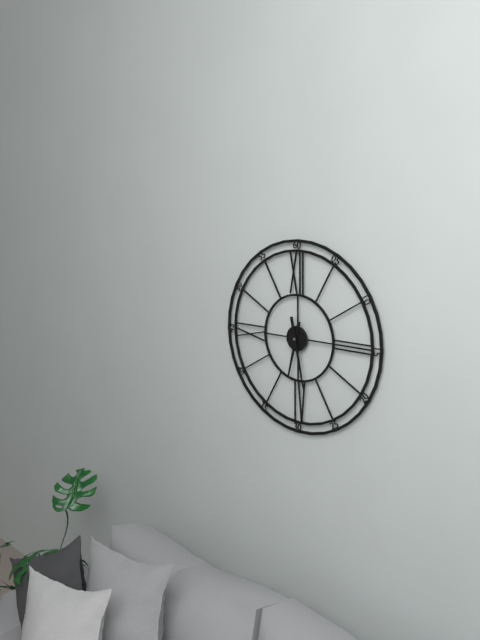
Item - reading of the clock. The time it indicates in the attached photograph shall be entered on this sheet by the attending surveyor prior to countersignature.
6:28
